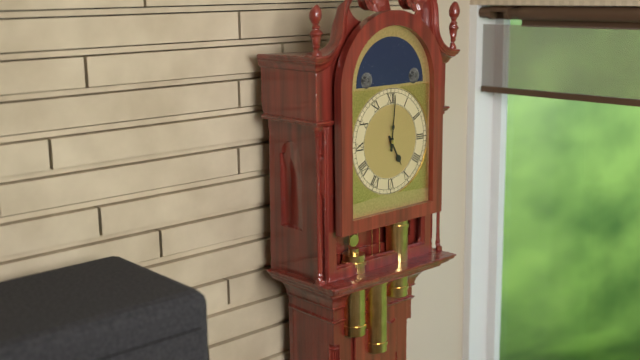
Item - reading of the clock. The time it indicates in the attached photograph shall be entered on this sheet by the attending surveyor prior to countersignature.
5:01
